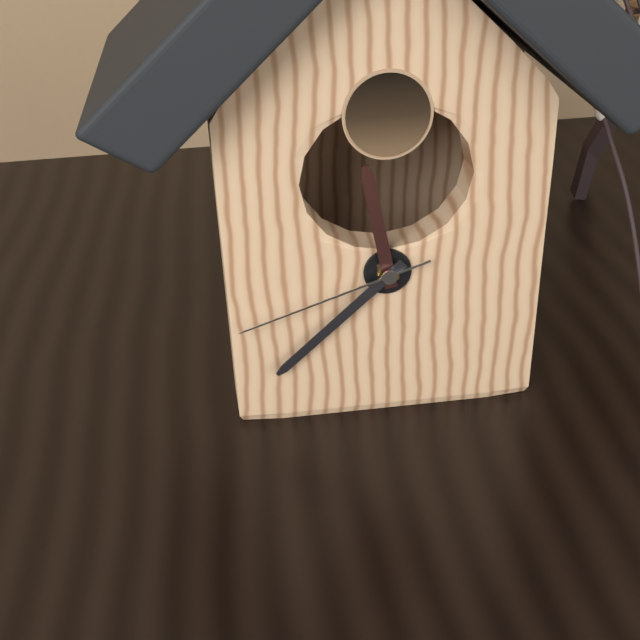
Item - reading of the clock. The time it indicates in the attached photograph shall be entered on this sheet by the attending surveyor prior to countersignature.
11:38:42
